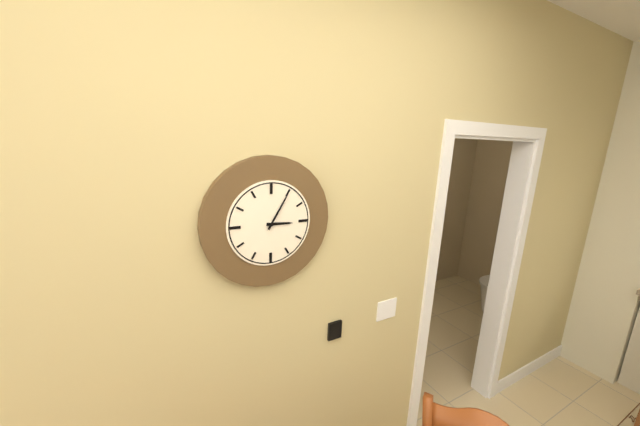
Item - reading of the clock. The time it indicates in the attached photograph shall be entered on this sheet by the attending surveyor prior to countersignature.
3:05
